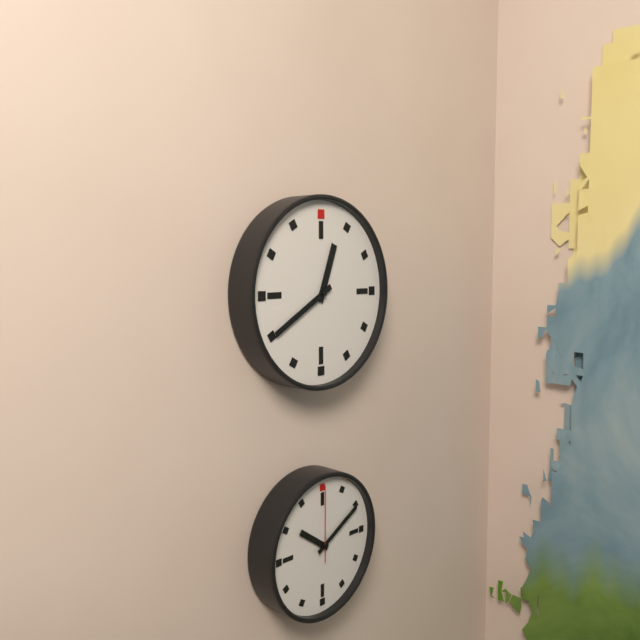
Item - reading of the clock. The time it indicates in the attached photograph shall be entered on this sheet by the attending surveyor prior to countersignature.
12:40
